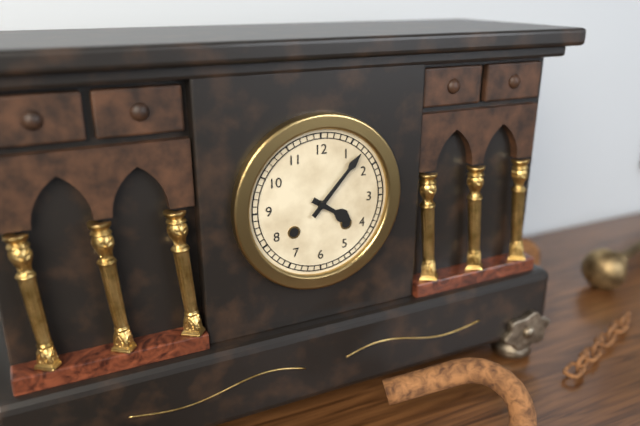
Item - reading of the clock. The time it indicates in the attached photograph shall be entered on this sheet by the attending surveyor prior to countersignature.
4:07
